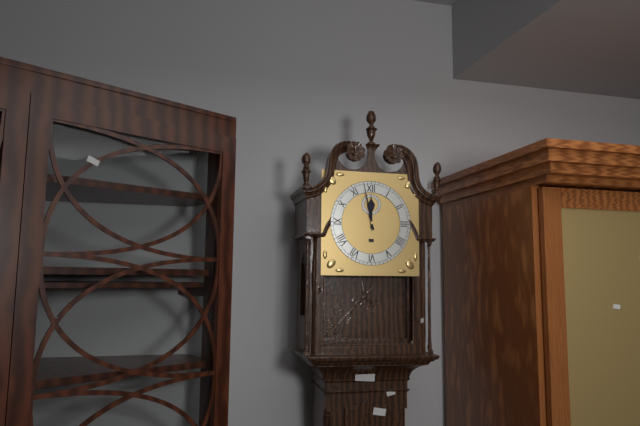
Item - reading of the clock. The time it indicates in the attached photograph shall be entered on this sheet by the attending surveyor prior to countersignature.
11:58
